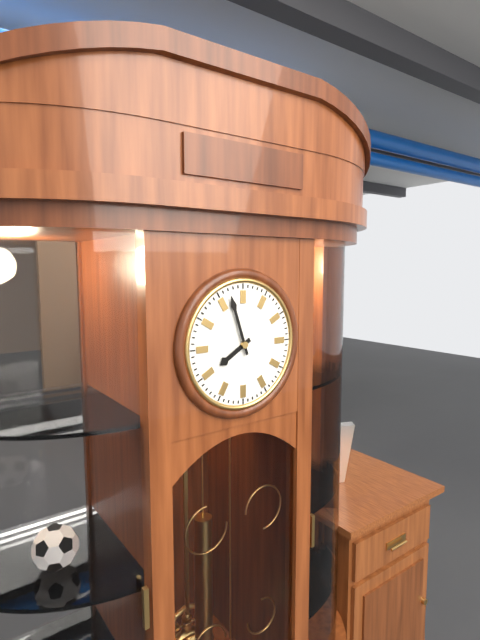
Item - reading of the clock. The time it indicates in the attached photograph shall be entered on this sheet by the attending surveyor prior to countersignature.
7:57
